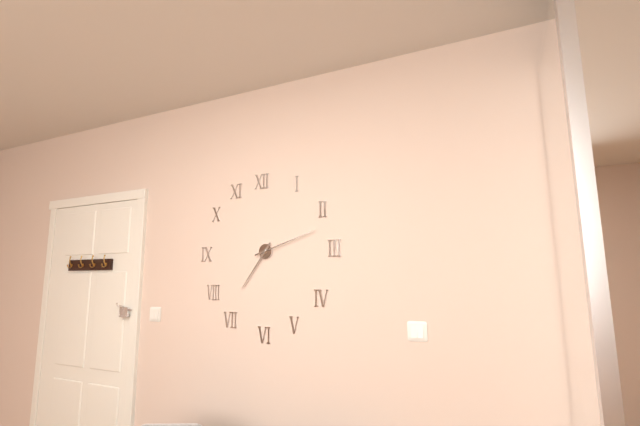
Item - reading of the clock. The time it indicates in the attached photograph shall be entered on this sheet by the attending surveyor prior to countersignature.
7:12
